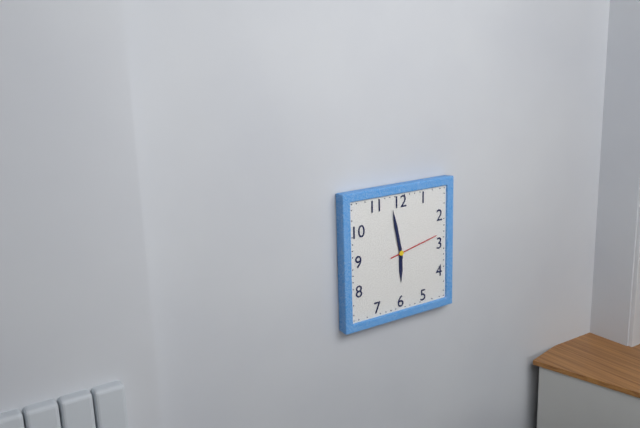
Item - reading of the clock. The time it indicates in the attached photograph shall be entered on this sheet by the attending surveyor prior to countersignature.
5:58:13
